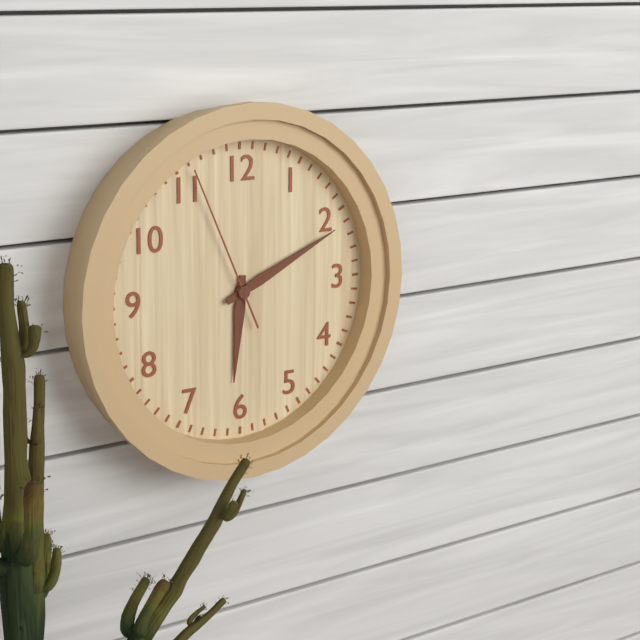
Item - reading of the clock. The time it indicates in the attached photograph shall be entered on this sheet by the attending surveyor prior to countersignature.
6:11:56
